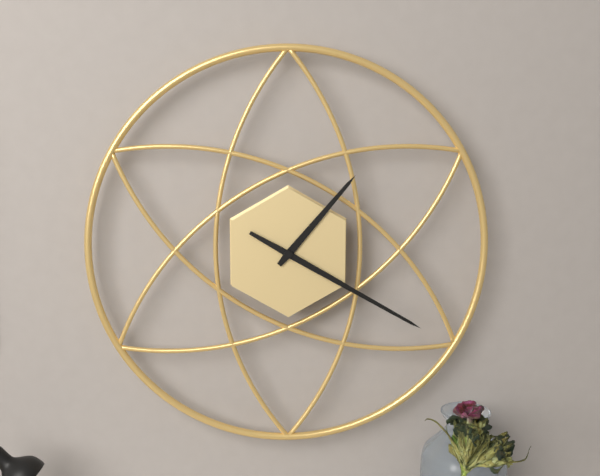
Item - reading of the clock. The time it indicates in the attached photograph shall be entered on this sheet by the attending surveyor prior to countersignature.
1:20
